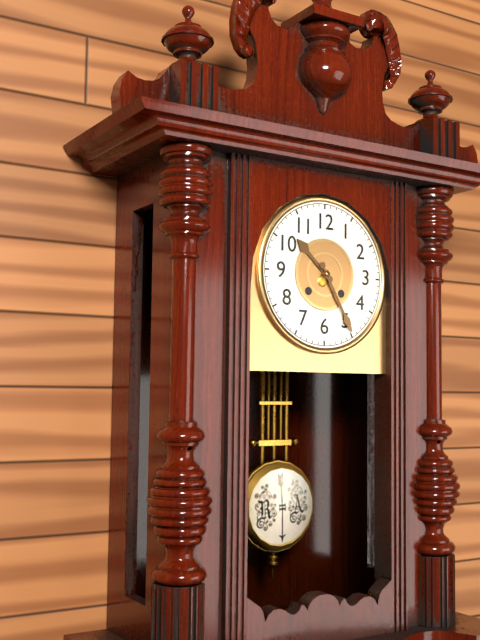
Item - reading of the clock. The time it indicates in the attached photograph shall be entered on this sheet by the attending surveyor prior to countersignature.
10:25
